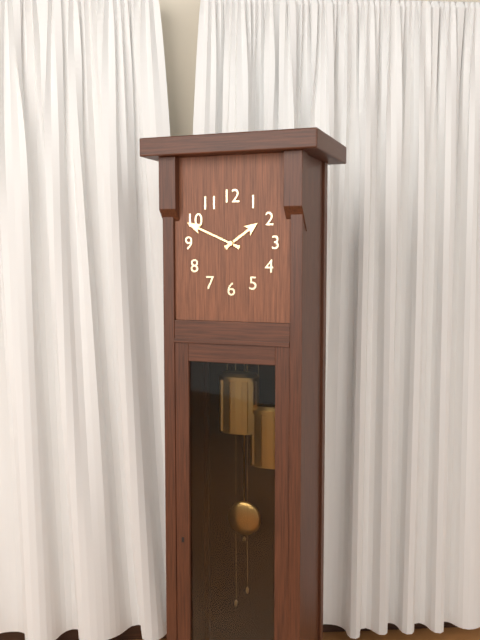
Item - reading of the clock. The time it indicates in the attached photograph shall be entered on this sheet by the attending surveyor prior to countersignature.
1:49
